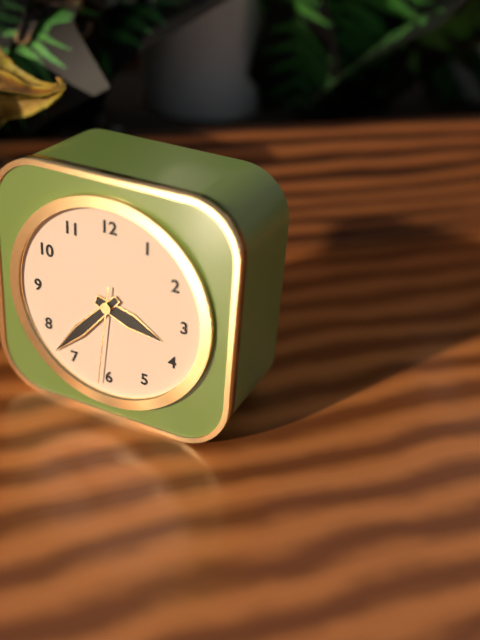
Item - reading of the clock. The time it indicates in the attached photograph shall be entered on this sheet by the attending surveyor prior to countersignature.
3:37:31
